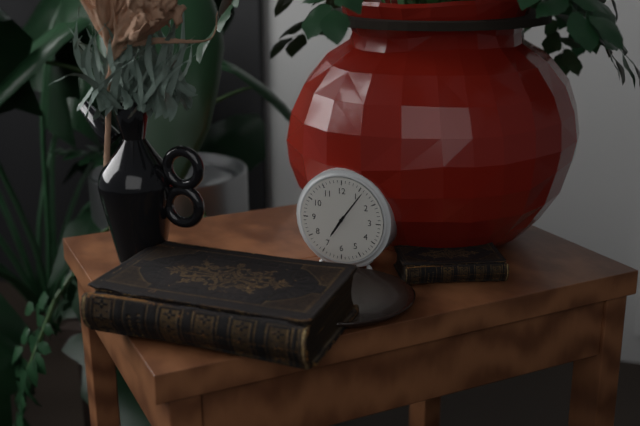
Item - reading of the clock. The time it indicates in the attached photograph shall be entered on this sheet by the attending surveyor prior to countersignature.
7:06
